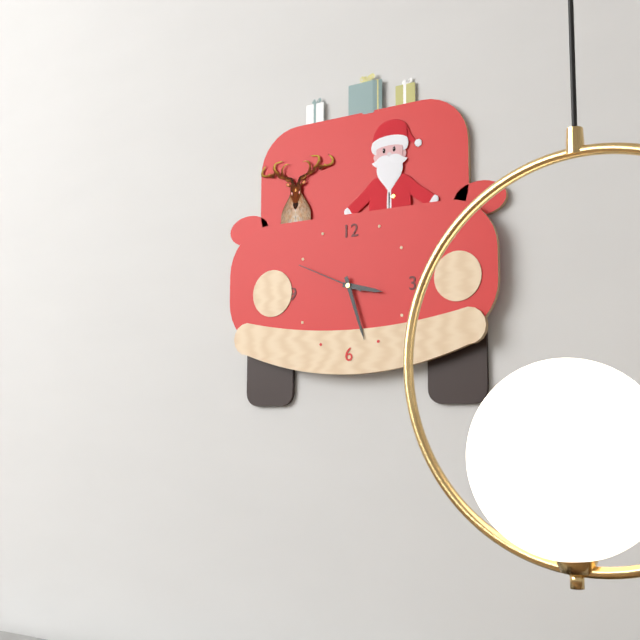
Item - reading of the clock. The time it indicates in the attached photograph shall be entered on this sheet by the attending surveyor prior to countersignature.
3:27:49
